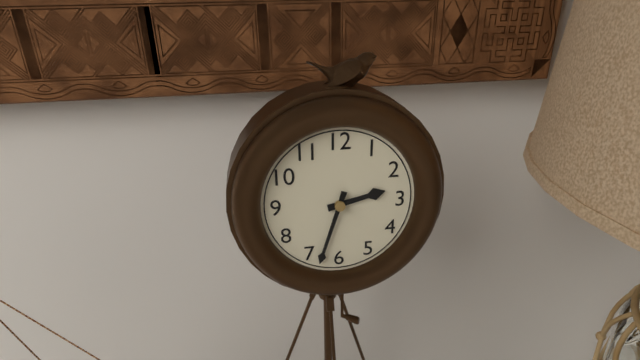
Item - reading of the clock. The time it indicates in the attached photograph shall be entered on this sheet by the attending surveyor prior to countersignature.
2:33
